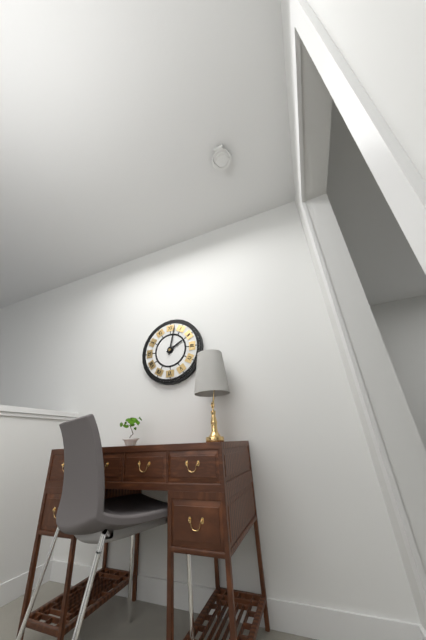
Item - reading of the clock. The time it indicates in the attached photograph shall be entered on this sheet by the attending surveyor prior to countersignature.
2:02
